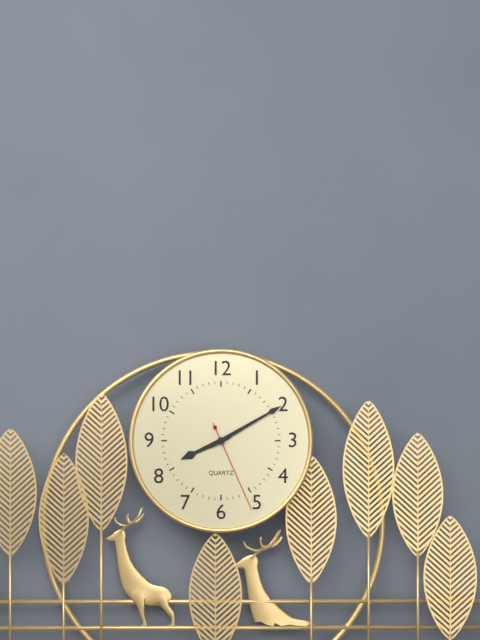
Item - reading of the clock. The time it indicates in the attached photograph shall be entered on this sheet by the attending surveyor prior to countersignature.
8:10:26
